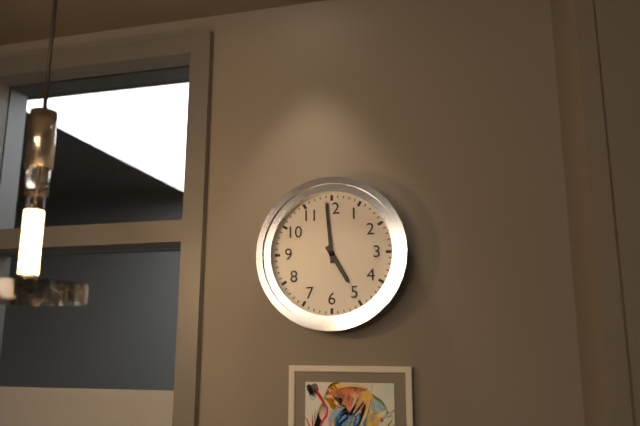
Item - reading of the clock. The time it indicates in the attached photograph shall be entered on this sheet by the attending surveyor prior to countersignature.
4:59
